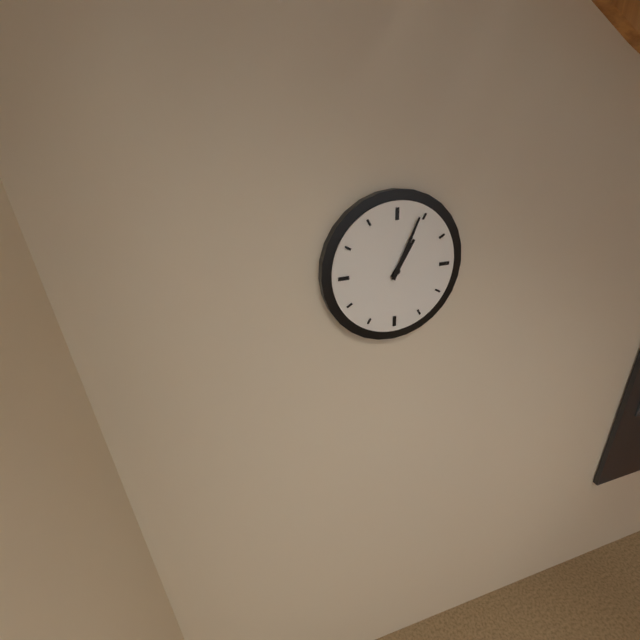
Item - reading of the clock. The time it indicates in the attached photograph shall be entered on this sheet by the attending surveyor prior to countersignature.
1:04
